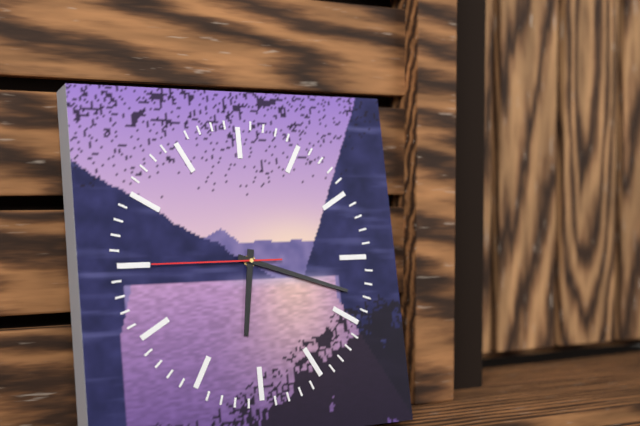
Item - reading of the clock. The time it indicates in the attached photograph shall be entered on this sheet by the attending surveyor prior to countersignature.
6:18:45
